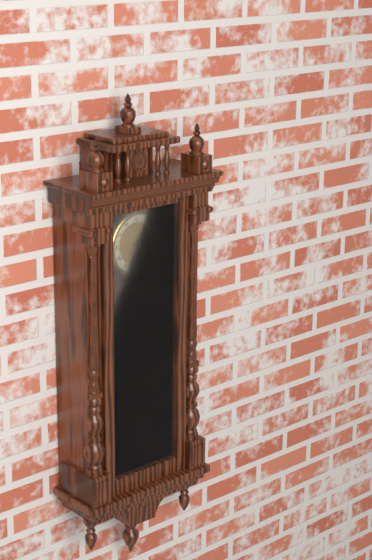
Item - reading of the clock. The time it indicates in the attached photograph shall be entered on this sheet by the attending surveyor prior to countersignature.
2:33
